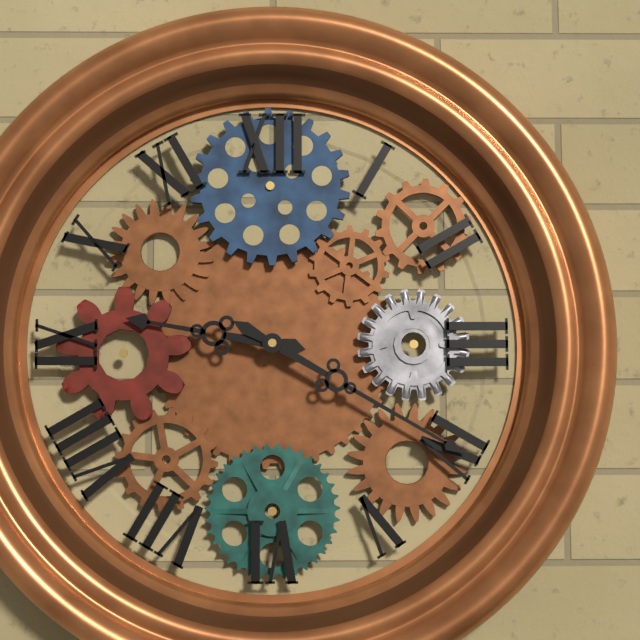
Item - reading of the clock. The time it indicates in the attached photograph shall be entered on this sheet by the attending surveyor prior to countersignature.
9:20
